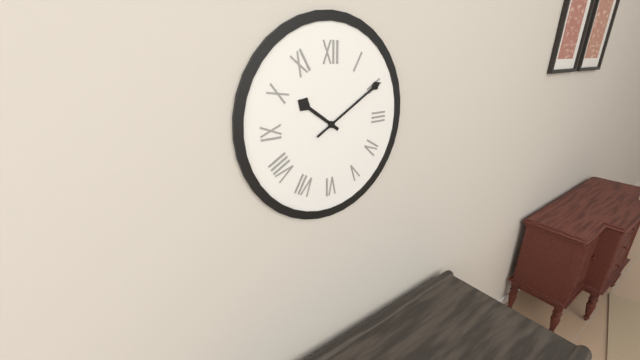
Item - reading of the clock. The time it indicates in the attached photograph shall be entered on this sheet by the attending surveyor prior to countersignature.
10:10
